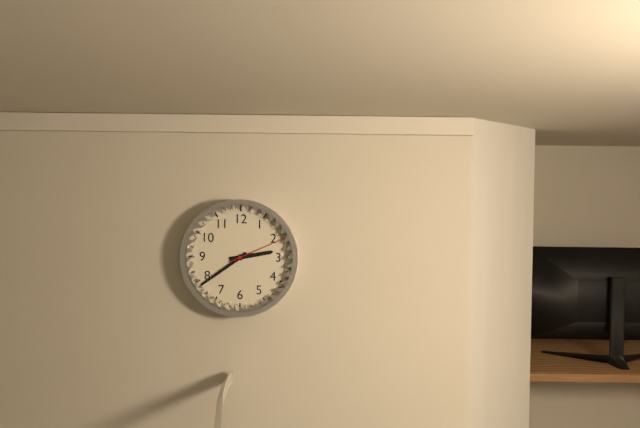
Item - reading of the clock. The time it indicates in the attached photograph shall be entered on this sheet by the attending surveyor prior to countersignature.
2:39:11
